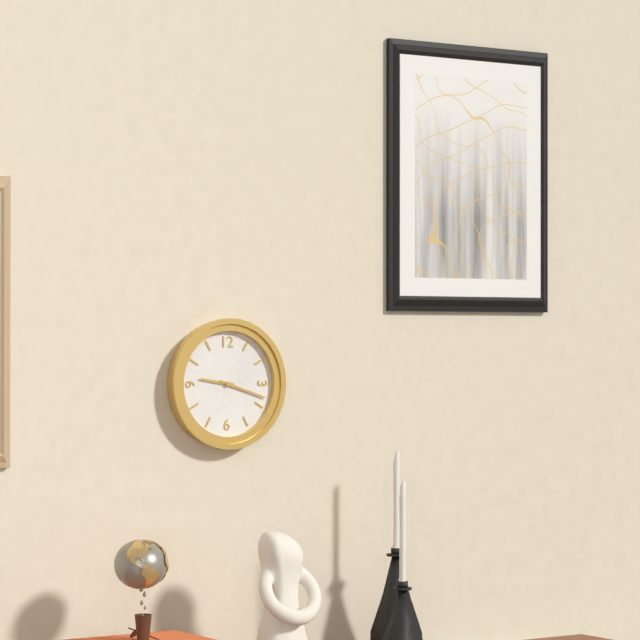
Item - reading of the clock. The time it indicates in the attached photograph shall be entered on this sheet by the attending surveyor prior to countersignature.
9:18
